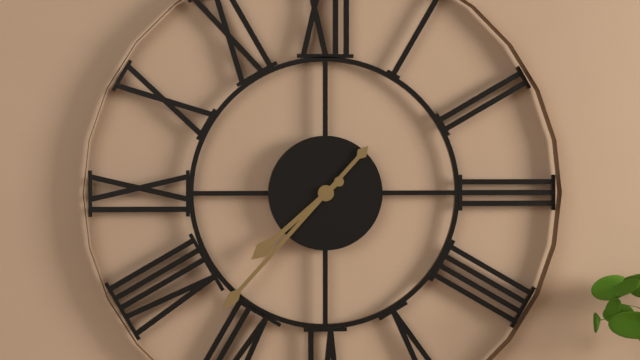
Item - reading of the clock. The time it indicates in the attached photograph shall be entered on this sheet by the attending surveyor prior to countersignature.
7:37
